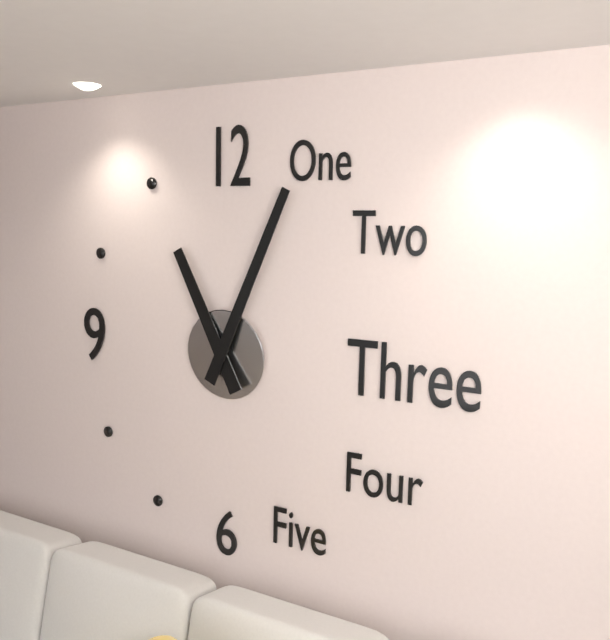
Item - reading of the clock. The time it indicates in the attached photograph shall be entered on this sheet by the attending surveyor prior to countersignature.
11:04
